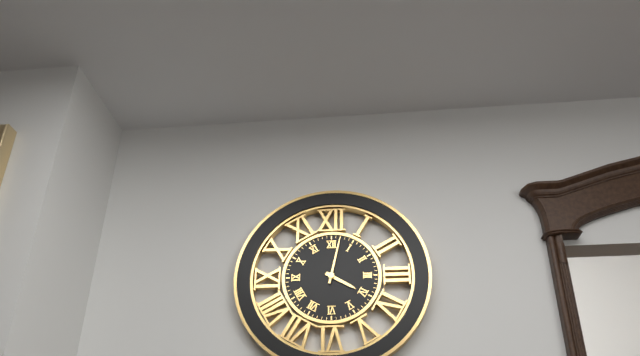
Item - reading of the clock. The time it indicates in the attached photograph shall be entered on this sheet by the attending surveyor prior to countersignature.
4:02
